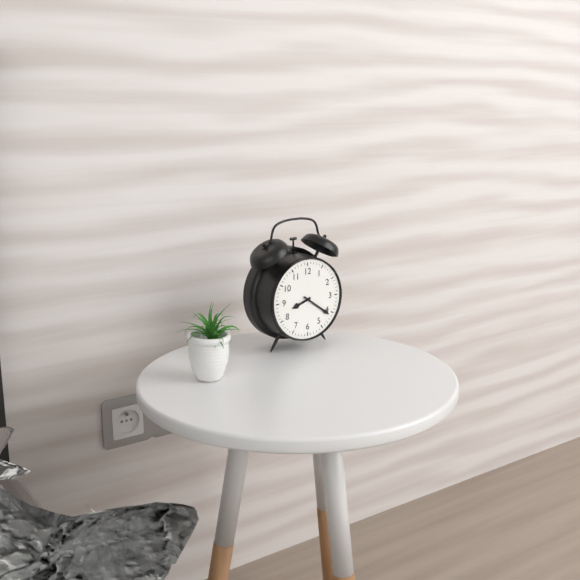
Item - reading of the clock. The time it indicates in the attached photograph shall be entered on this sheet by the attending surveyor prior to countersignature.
8:21
